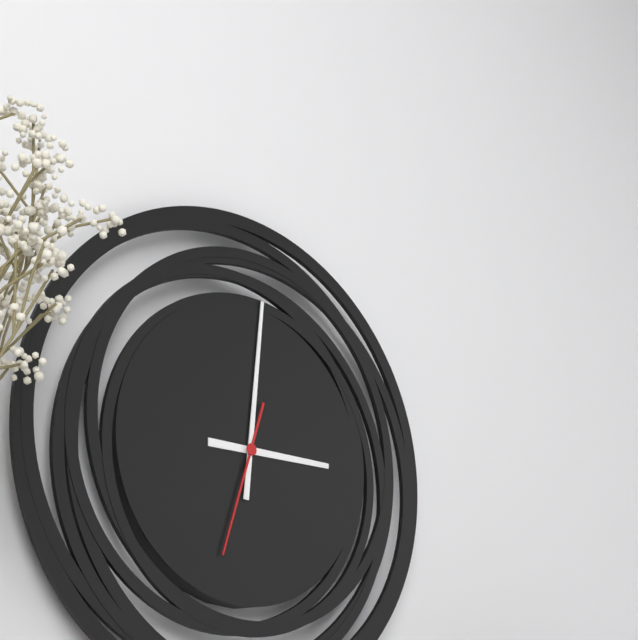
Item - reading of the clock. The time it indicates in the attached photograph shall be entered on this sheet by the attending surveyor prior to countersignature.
3:01:33
